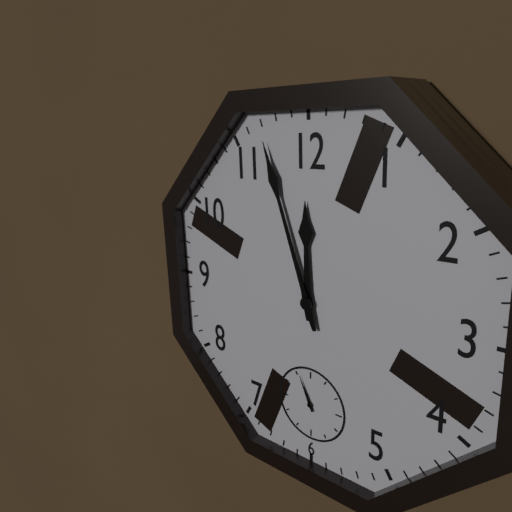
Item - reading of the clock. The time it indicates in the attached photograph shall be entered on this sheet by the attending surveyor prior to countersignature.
11:57
